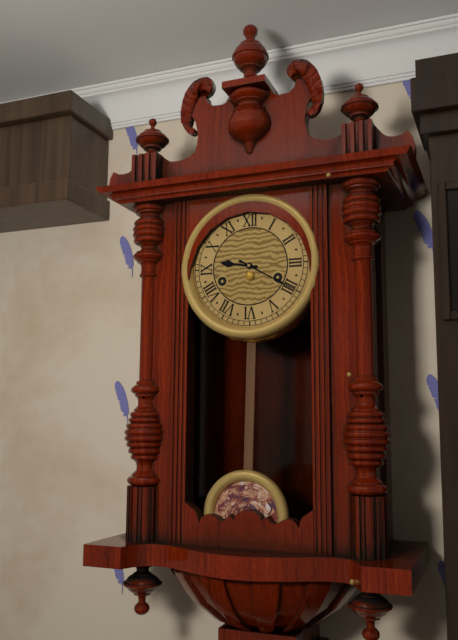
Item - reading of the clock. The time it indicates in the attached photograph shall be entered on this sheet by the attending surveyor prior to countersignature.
9:20
